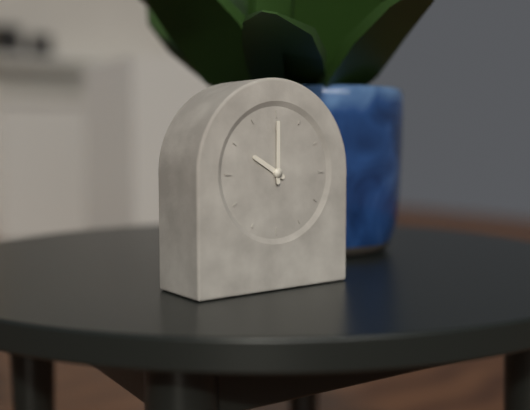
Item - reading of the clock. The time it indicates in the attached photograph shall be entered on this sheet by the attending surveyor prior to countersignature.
10:00
